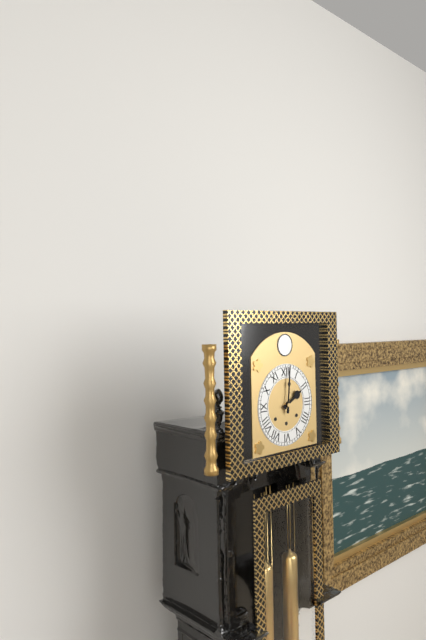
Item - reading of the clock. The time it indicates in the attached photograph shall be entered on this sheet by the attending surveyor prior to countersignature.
2:01
